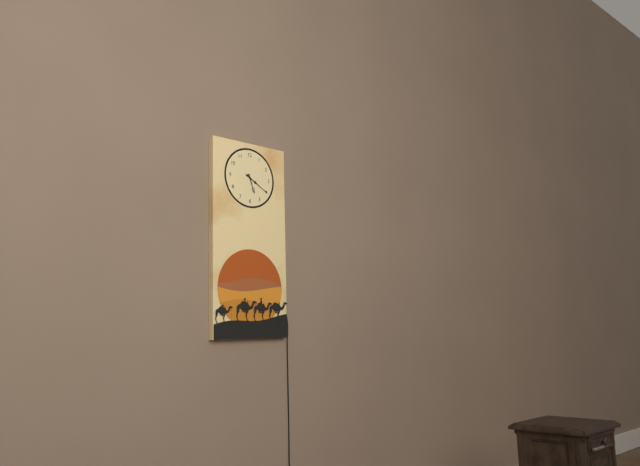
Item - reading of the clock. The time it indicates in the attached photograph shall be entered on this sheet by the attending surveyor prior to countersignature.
5:20
